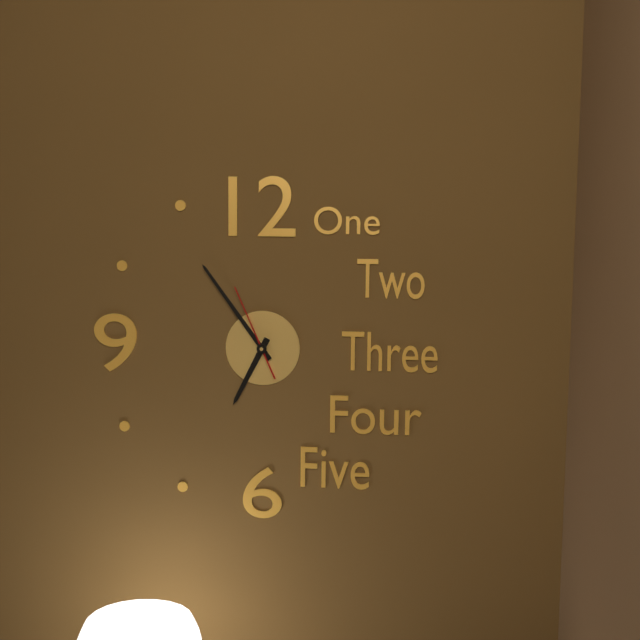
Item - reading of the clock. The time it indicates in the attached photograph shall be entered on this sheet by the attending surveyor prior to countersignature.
6:54:56
